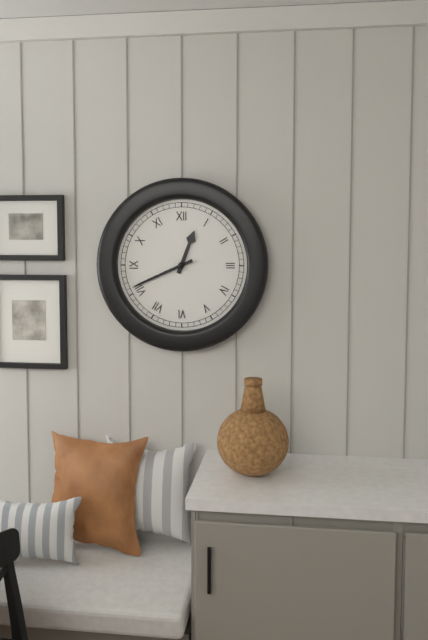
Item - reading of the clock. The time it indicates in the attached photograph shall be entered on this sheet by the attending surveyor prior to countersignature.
12:41
